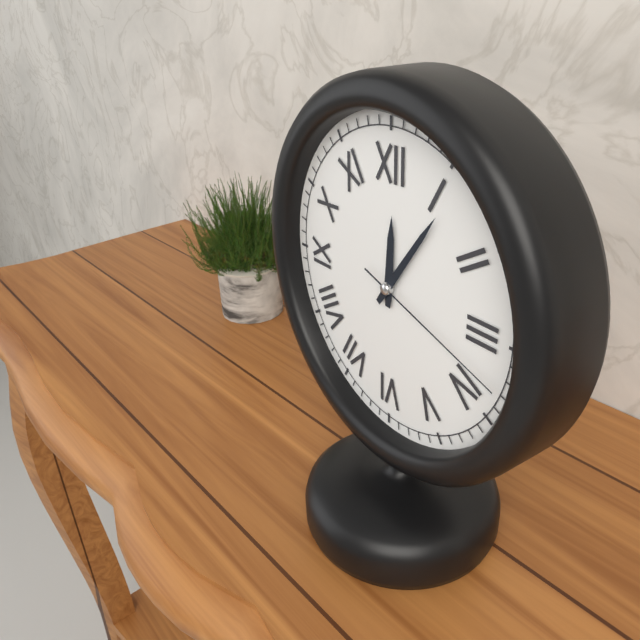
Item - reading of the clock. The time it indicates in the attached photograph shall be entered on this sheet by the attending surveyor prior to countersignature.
12:06:18
